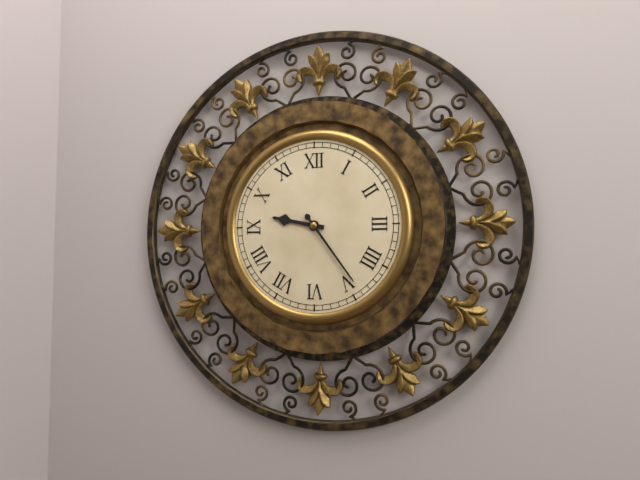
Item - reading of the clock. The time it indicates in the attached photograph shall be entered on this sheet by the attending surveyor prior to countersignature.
9:24
